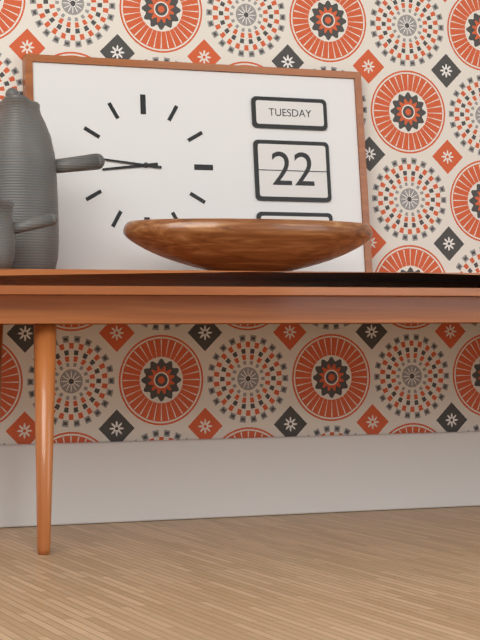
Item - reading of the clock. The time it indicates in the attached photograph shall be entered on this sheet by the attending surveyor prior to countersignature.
8:46
